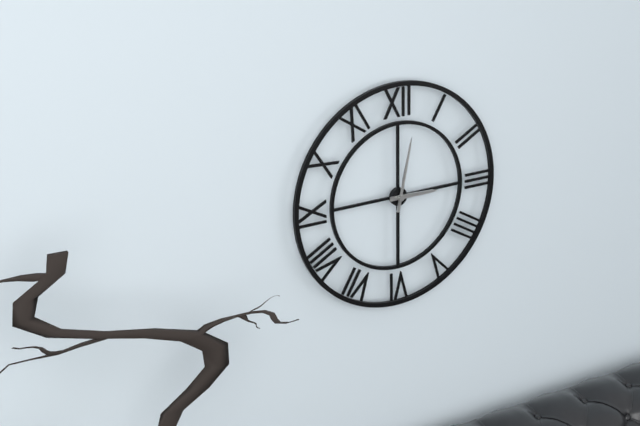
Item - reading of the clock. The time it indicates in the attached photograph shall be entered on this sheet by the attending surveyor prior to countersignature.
3:02
